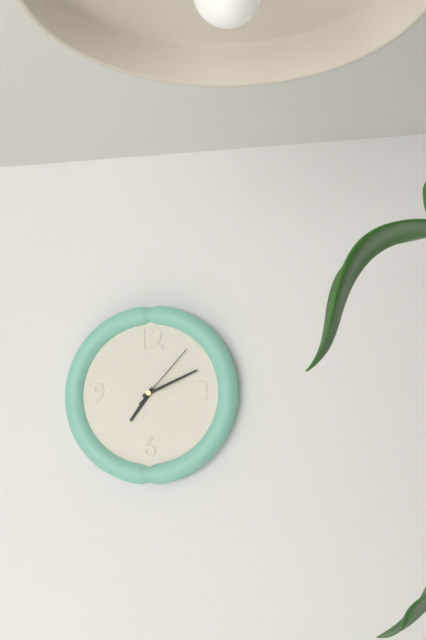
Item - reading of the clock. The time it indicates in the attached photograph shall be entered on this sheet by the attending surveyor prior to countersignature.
7:11:07
